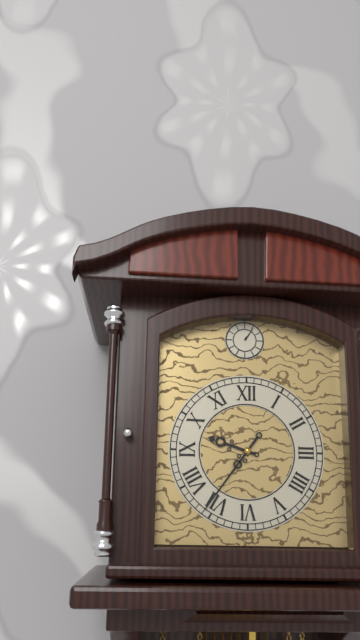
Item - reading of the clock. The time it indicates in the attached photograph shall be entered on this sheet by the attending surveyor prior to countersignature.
9:36
